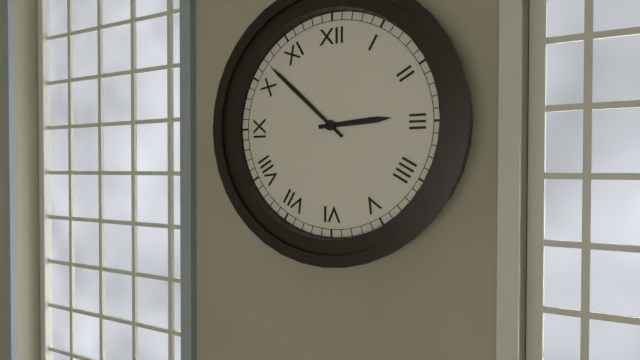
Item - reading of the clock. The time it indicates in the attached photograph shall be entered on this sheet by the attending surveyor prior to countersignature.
2:52
